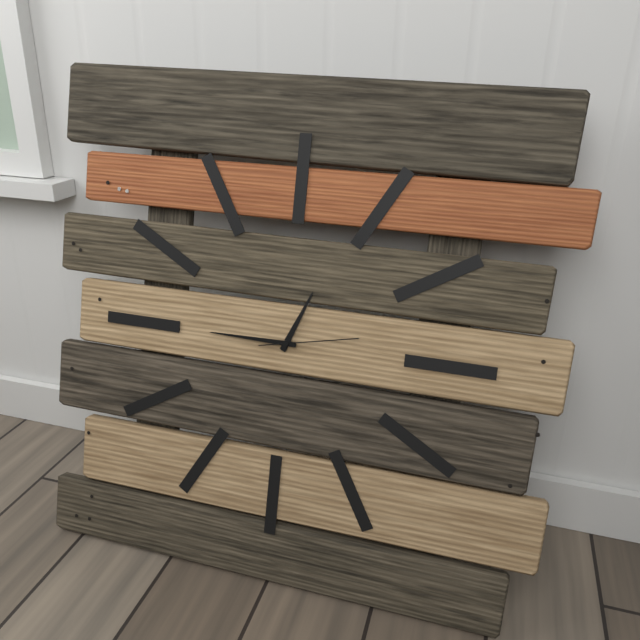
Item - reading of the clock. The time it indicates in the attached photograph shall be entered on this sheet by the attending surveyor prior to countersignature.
12:45:13
